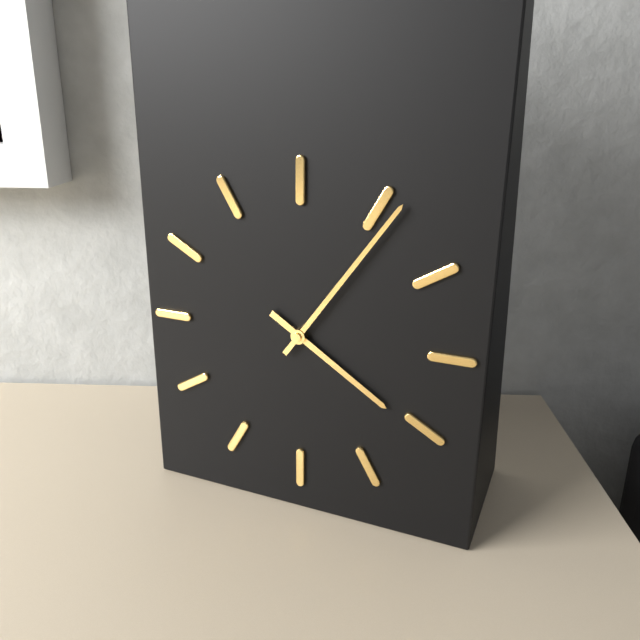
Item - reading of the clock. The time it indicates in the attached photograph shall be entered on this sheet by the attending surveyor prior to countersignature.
4:06
